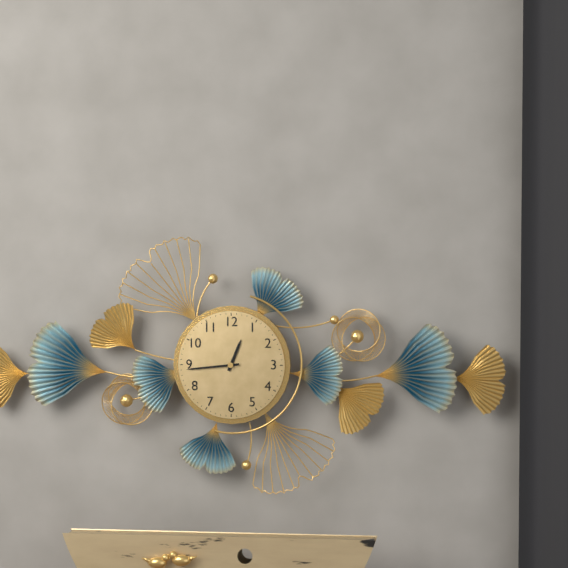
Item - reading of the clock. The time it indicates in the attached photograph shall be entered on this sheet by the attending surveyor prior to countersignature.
12:44
